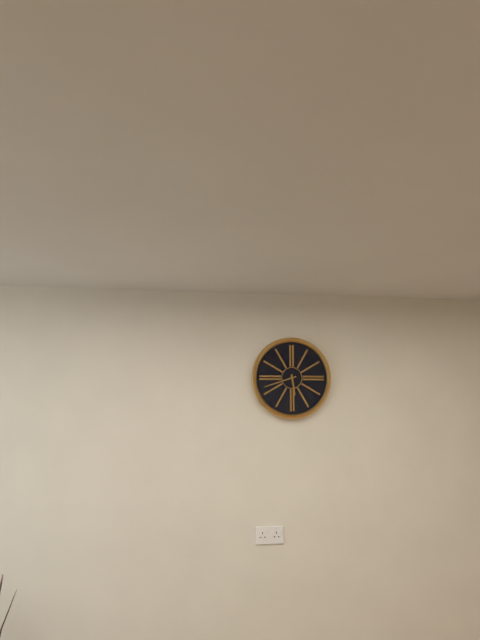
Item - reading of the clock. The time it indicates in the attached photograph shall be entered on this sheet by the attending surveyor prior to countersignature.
5:42
